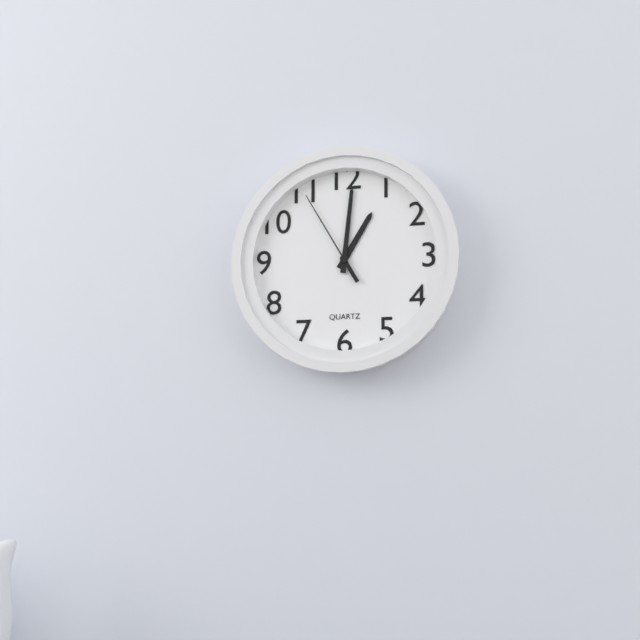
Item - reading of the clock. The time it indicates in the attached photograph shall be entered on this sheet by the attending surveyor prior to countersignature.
1:01:55
